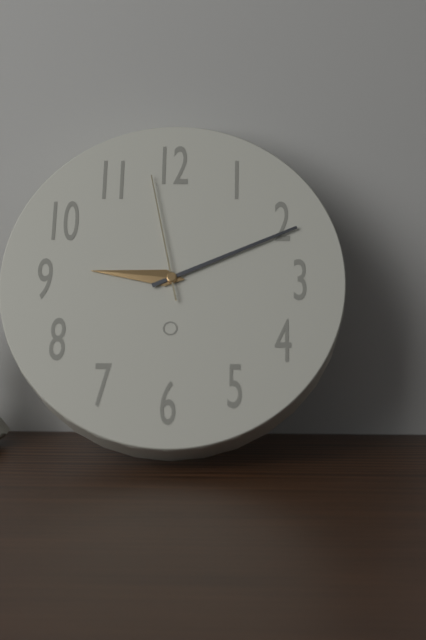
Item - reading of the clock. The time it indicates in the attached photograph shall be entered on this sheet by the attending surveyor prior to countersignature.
9:11:58
